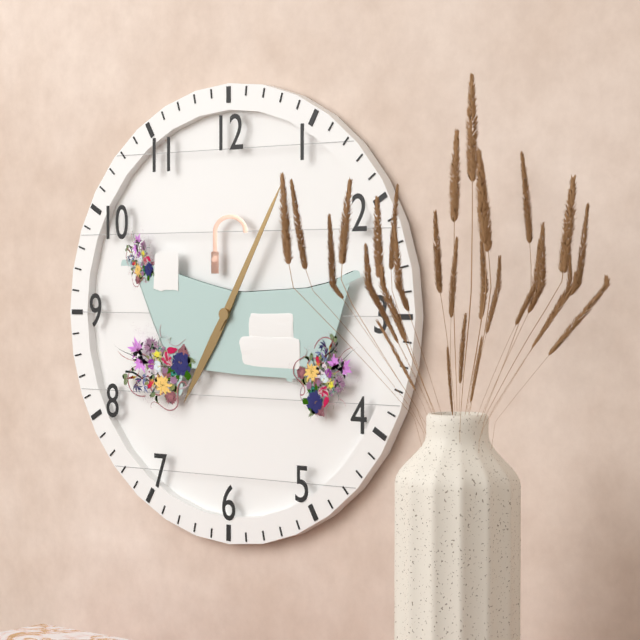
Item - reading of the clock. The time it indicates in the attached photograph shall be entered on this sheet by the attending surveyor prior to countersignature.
7:05
